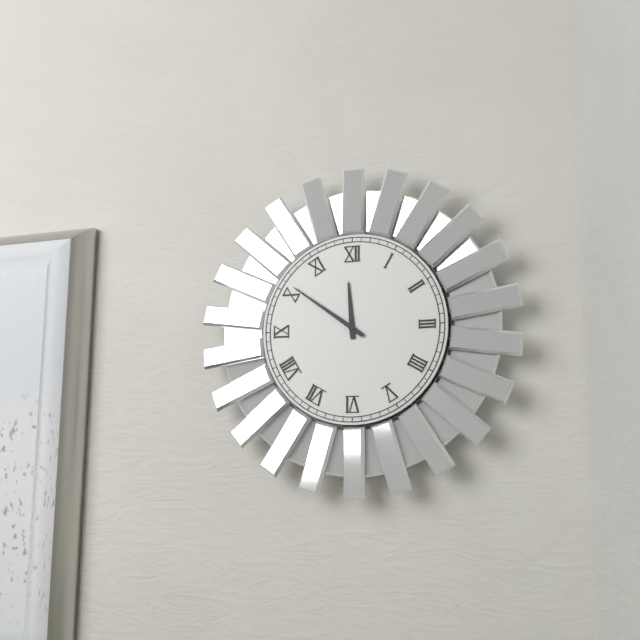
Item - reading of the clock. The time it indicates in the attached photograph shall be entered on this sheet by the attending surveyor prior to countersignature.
11:51
